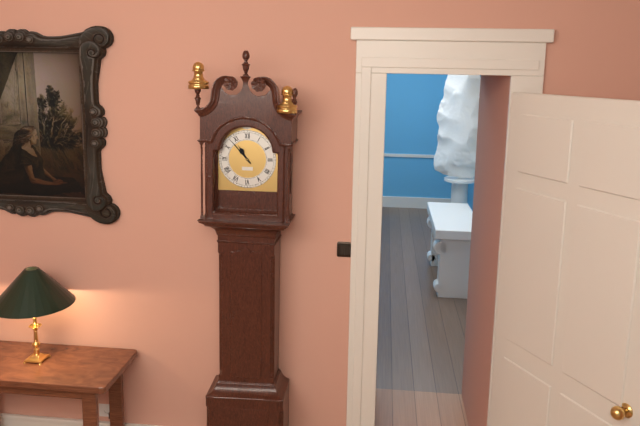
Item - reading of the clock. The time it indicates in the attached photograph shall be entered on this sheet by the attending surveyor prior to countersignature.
10:53
